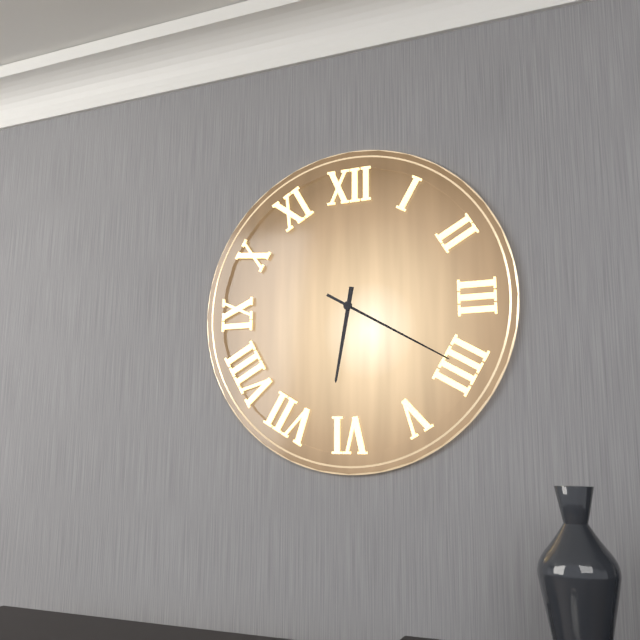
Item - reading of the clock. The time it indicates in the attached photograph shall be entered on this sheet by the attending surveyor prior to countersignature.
6:20
